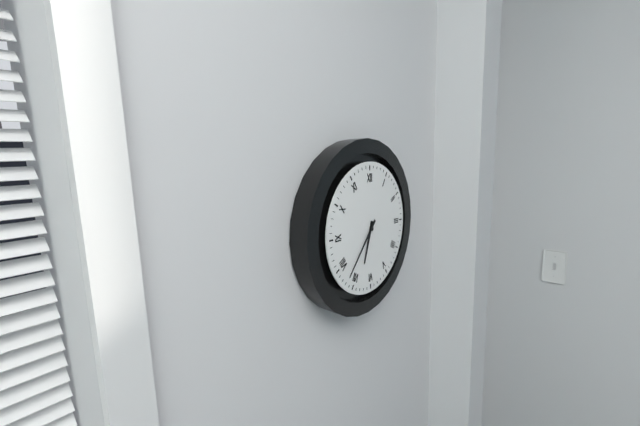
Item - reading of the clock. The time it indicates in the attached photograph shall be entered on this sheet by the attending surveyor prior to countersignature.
6:37
